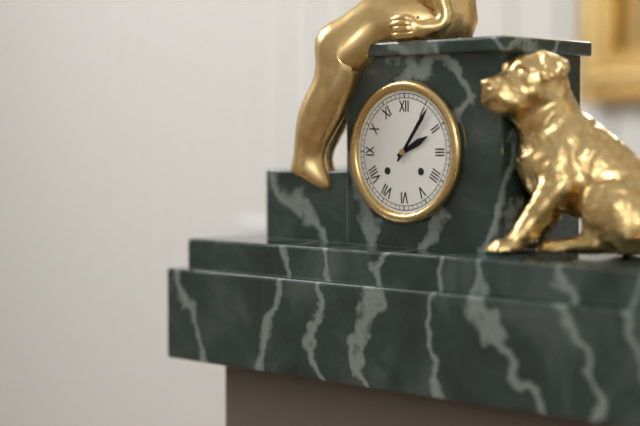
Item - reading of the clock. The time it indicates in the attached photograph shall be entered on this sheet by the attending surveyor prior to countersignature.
2:06
